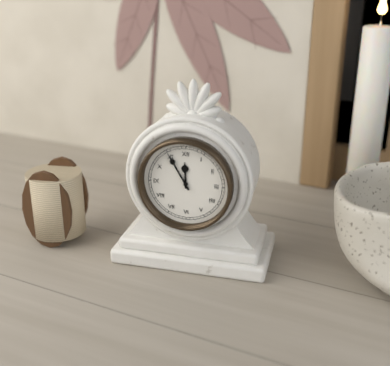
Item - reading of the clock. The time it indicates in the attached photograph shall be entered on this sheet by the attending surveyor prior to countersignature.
11:55
